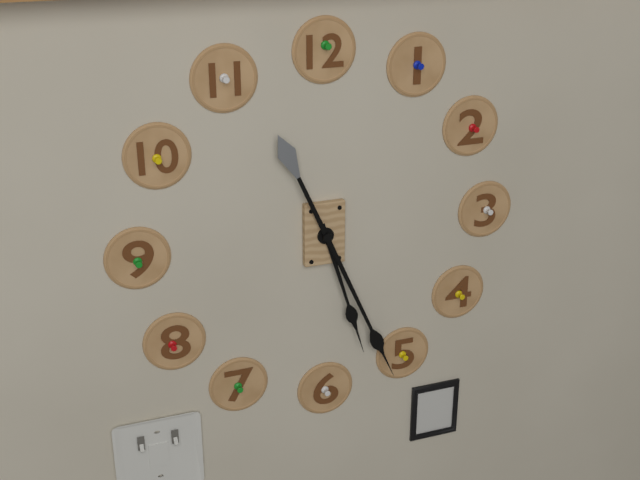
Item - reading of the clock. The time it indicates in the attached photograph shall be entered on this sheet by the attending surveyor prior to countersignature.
5:26
